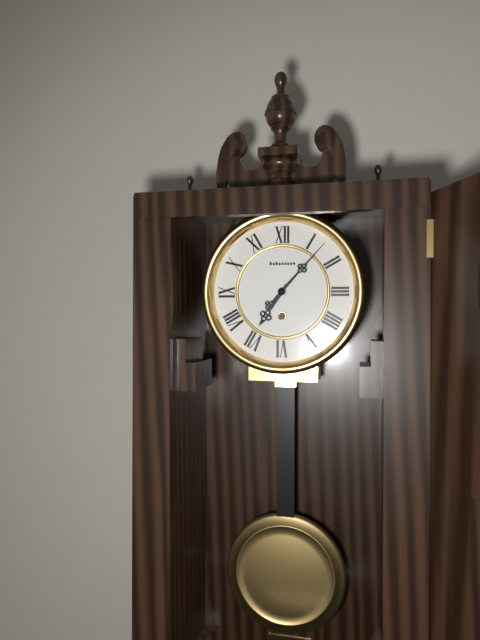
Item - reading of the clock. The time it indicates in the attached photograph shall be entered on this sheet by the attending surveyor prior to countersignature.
7:07
